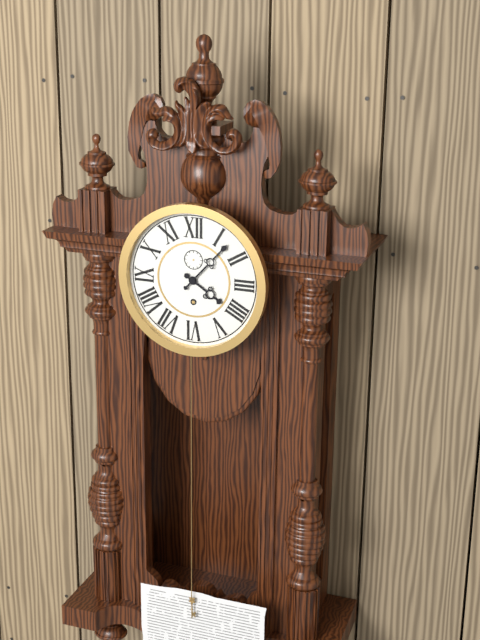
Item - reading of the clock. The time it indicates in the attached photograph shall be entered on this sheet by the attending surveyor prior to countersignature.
4:07
